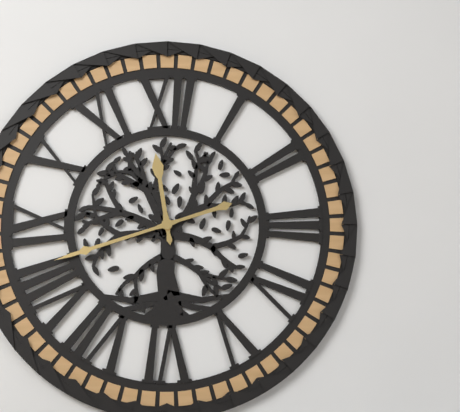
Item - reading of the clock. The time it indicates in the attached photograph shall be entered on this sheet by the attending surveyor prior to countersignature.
11:42
